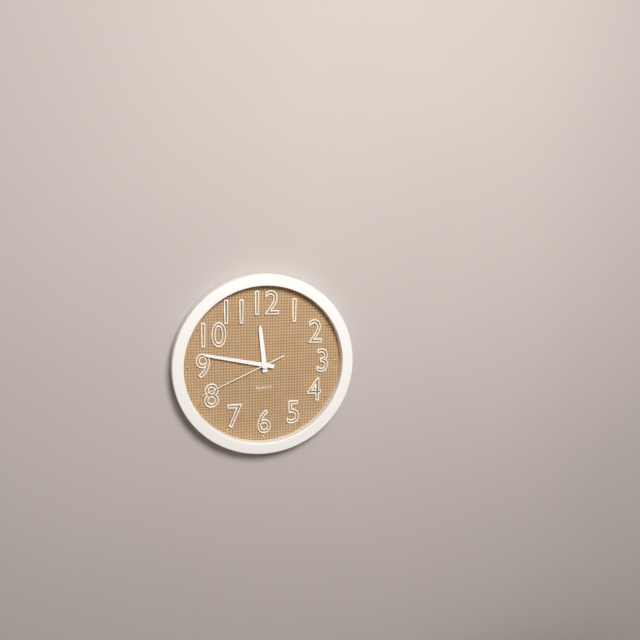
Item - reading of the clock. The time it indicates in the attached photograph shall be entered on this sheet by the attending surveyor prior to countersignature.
11:47:41
